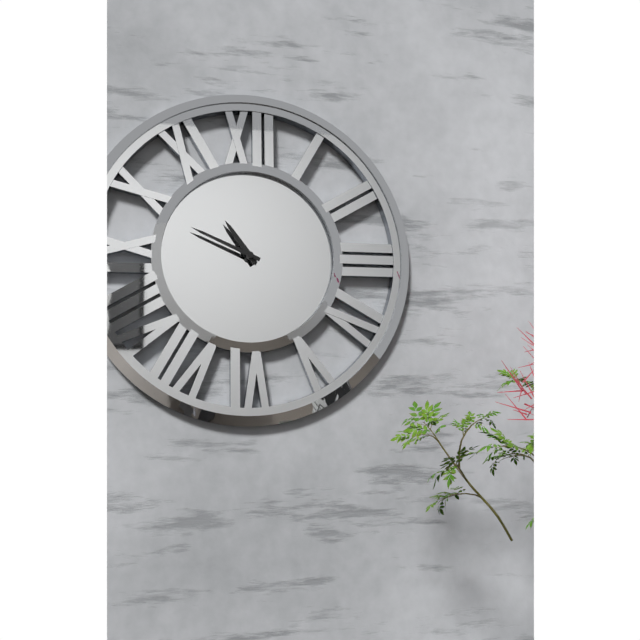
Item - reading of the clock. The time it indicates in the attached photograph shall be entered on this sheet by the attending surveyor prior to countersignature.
10:49
